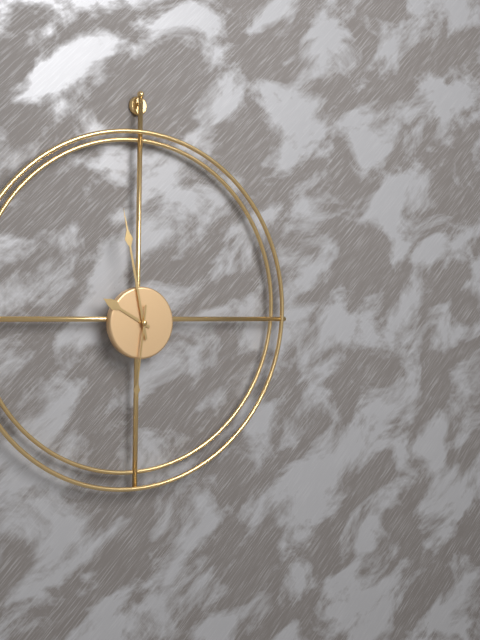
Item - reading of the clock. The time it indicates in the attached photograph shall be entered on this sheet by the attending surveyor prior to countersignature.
9:58:31
